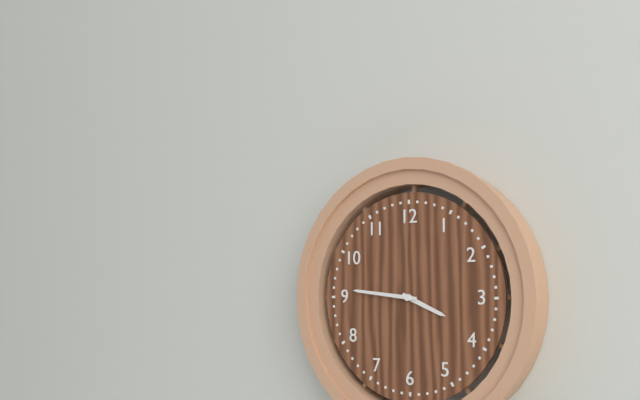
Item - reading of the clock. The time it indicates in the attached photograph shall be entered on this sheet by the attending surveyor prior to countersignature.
3:46
